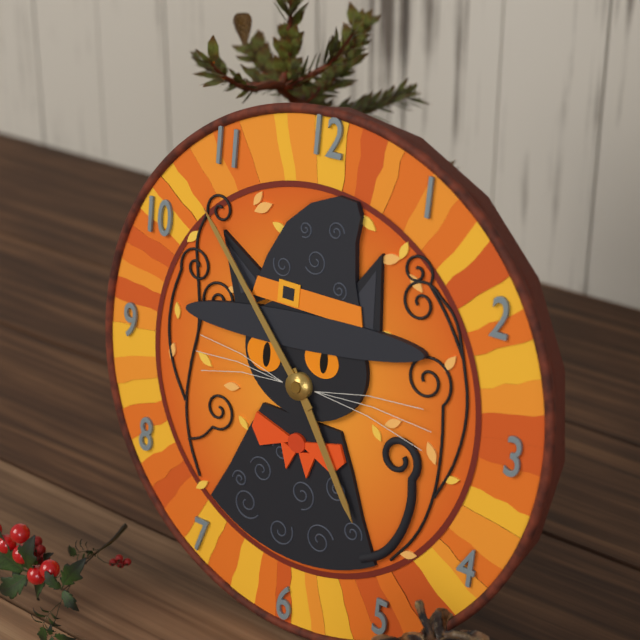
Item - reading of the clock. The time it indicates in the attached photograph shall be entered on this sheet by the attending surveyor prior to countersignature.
4:53
